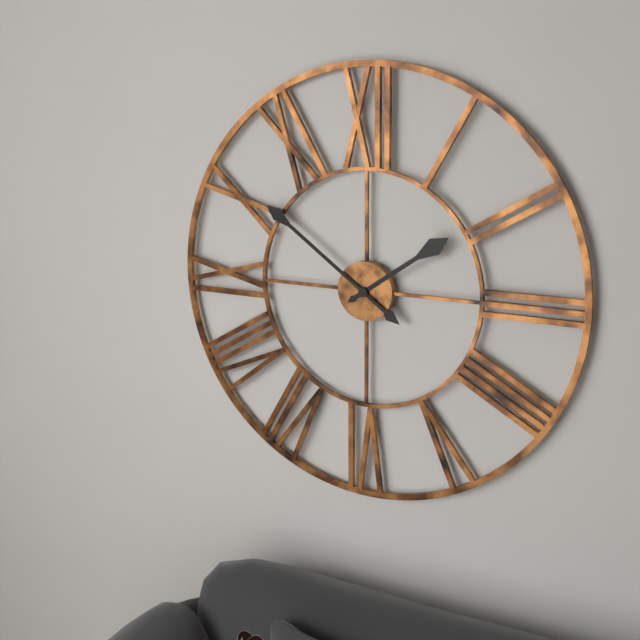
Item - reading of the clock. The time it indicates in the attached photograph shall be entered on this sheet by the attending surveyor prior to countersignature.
1:51
